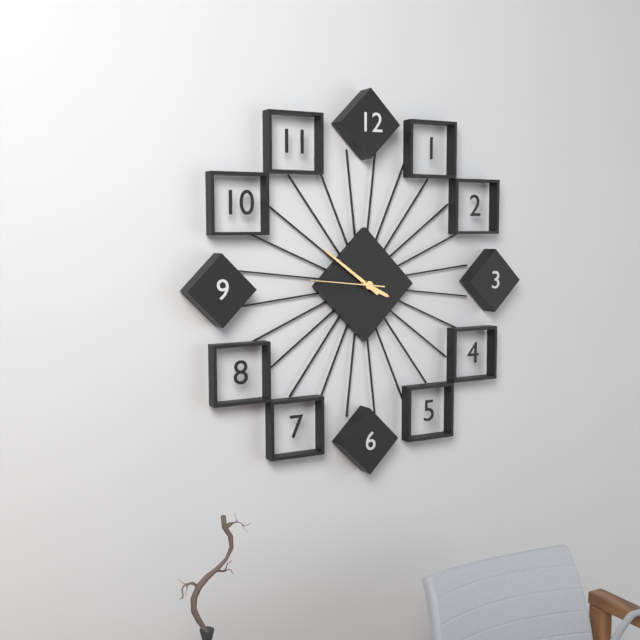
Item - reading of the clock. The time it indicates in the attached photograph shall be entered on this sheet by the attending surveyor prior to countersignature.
3:51:46
